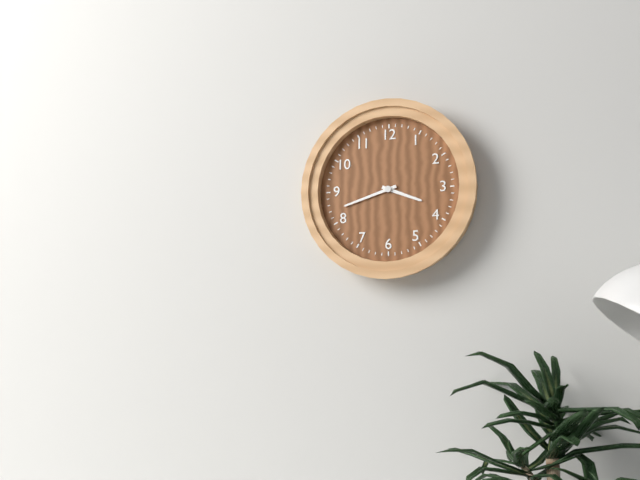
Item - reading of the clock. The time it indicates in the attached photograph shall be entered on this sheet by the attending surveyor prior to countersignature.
3:42
